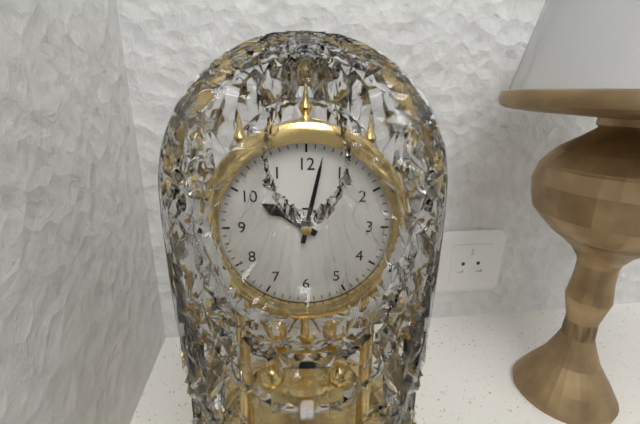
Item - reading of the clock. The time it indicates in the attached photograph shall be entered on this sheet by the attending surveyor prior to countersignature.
10:02
